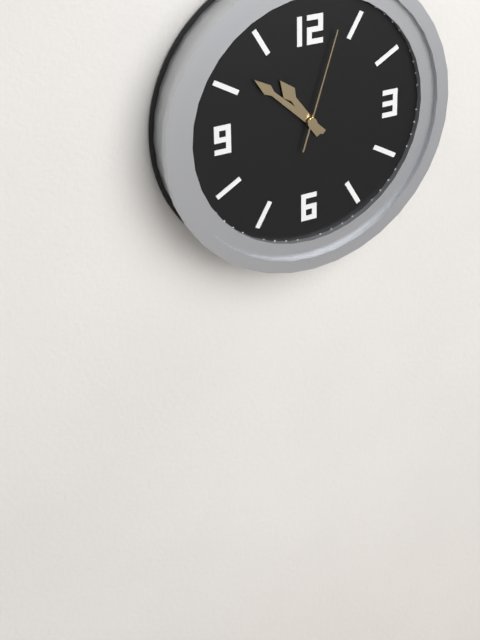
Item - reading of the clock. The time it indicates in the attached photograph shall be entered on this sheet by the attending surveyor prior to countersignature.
10:52:03
